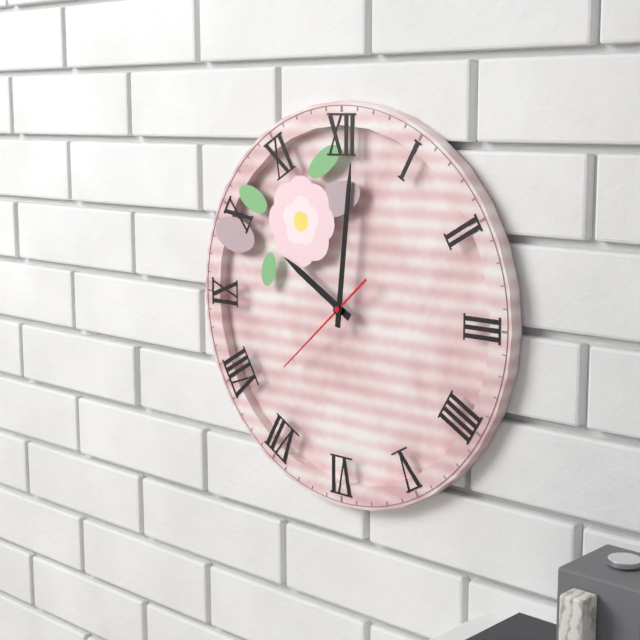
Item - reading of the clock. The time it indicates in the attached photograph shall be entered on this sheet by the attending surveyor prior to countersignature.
10:01:38
